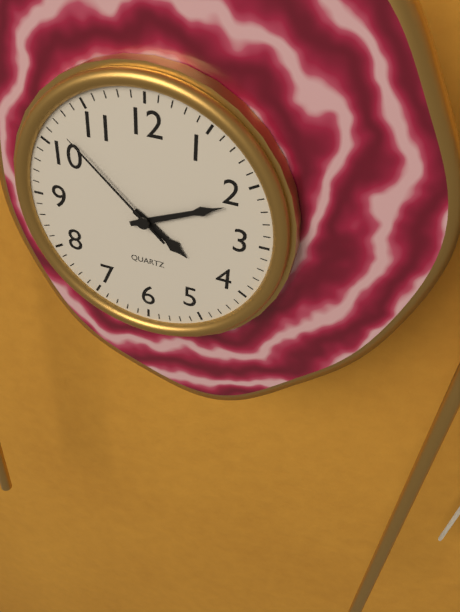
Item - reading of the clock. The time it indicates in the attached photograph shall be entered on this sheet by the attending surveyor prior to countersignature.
4:11:52
